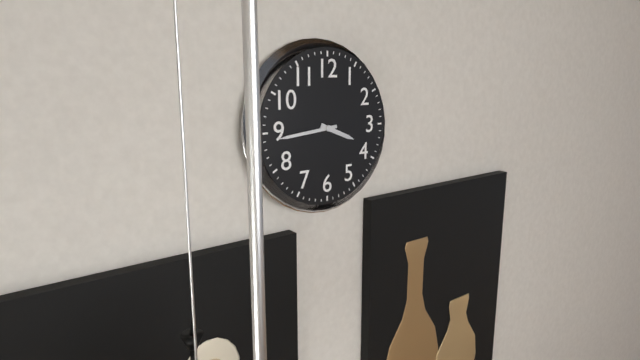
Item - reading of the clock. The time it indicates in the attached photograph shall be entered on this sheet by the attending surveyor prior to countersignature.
3:44
